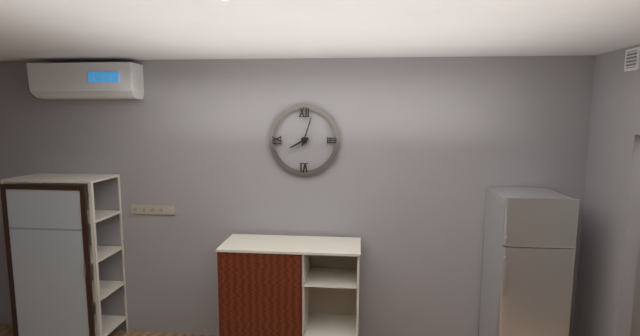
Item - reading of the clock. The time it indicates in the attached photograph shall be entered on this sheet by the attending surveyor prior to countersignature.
8:03
